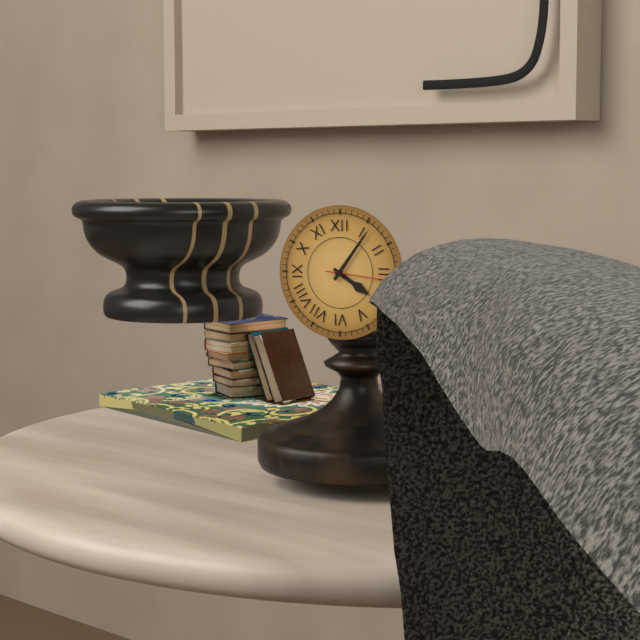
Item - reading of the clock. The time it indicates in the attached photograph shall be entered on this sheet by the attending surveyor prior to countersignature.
4:06:16
